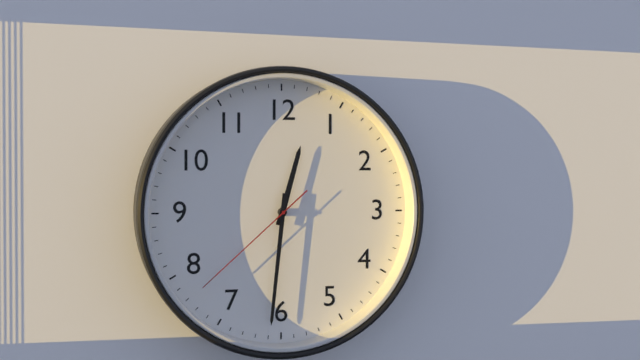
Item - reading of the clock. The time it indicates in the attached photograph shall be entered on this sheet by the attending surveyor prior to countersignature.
12:31:38
